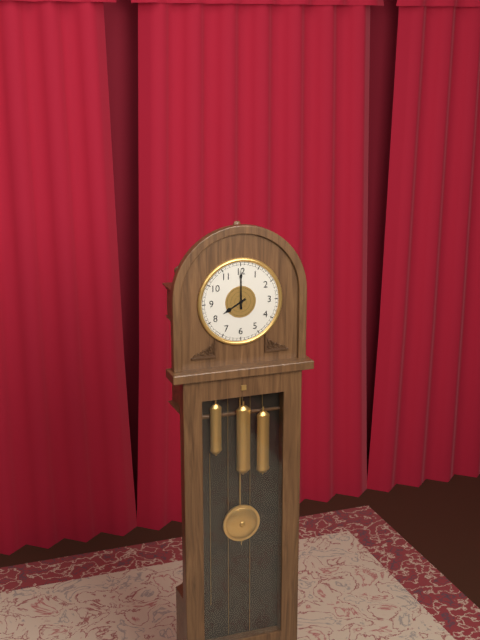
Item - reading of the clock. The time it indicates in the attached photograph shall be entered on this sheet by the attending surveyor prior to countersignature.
8:00
